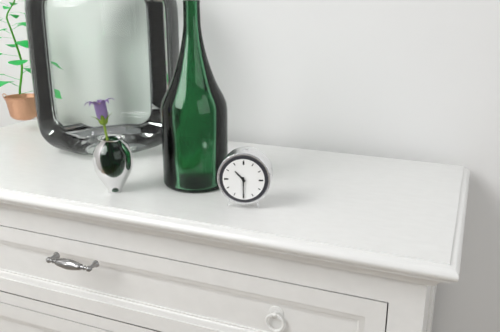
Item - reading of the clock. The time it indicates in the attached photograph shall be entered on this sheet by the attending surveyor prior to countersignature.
10:30
